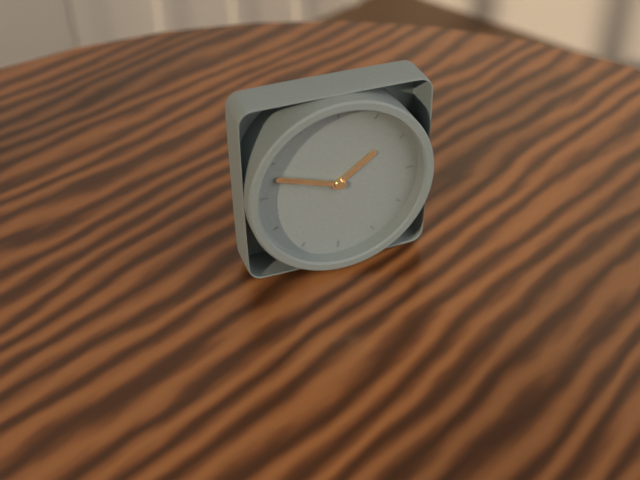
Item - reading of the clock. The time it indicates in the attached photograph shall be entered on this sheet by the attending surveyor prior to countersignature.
1:48
